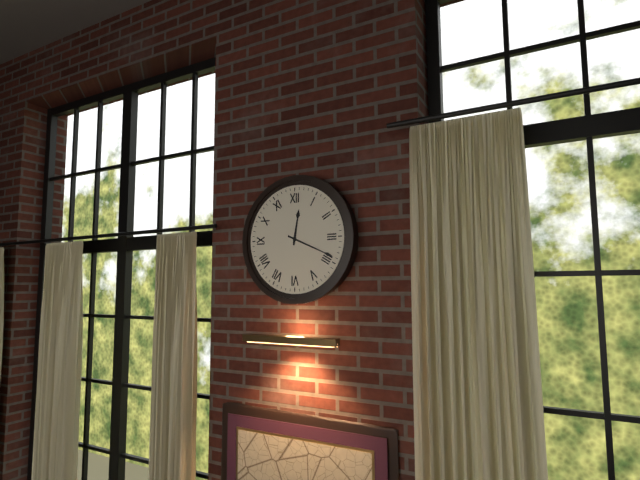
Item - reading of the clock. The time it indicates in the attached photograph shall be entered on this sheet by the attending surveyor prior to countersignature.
12:19
